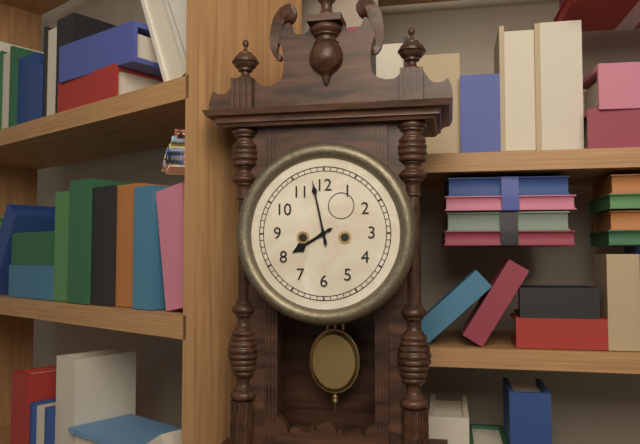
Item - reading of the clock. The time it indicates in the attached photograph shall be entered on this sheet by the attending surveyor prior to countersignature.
7:58
